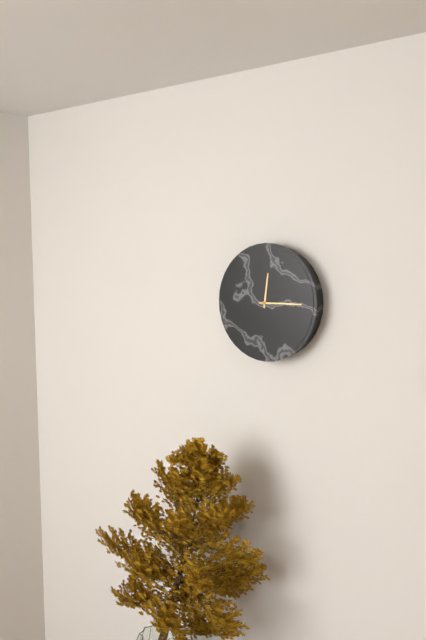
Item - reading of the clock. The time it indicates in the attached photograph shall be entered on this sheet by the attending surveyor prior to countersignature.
12:15
